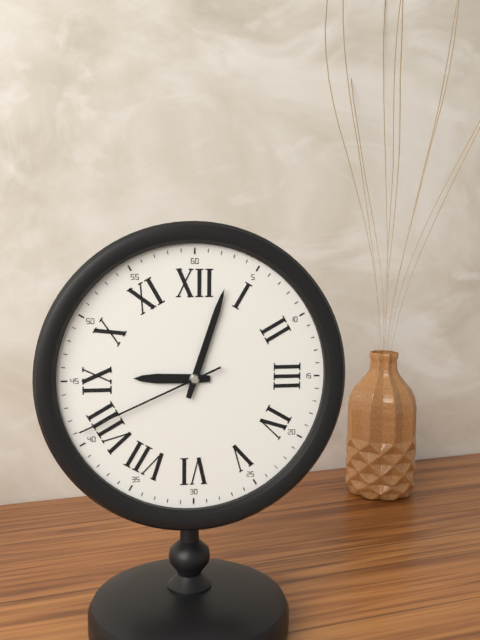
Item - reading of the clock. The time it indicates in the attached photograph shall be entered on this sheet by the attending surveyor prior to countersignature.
9:03:41
